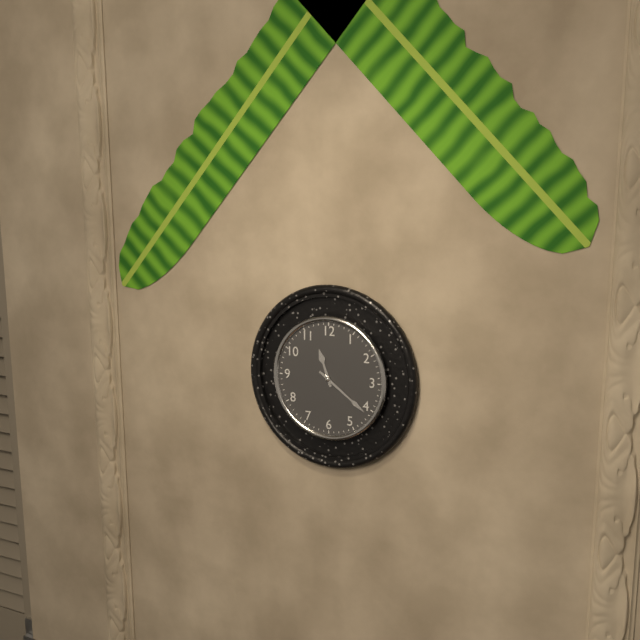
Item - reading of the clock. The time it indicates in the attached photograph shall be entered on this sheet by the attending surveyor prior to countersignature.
11:21
